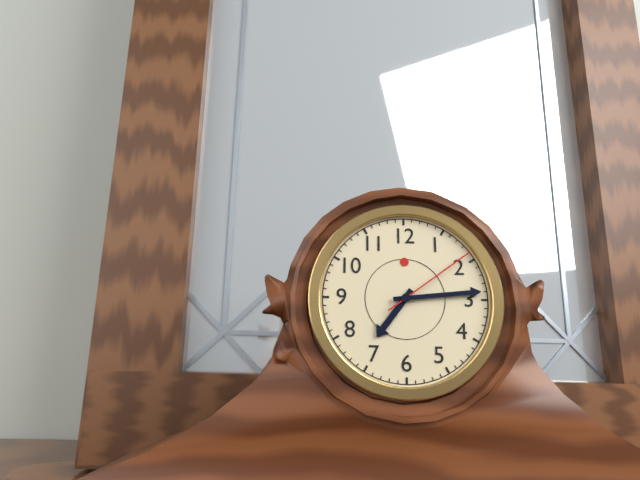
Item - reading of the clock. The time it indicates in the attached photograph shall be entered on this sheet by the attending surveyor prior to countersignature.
7:14:09
